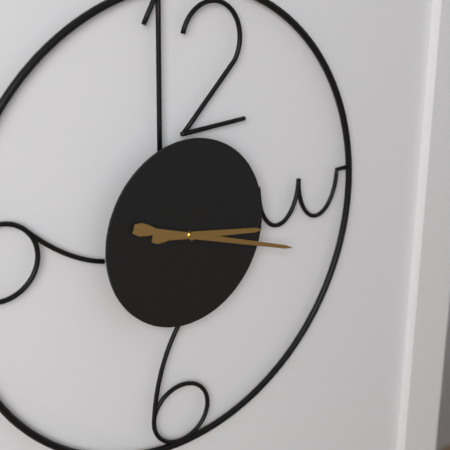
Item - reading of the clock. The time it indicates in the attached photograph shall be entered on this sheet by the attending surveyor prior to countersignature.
3:18
